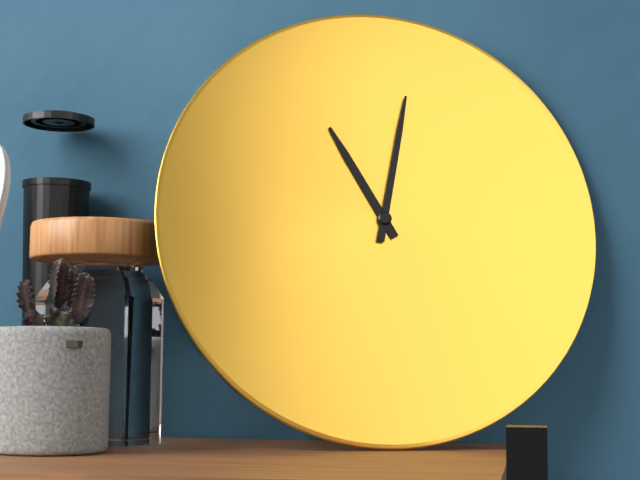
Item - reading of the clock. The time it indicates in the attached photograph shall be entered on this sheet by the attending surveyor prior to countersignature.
11:02
